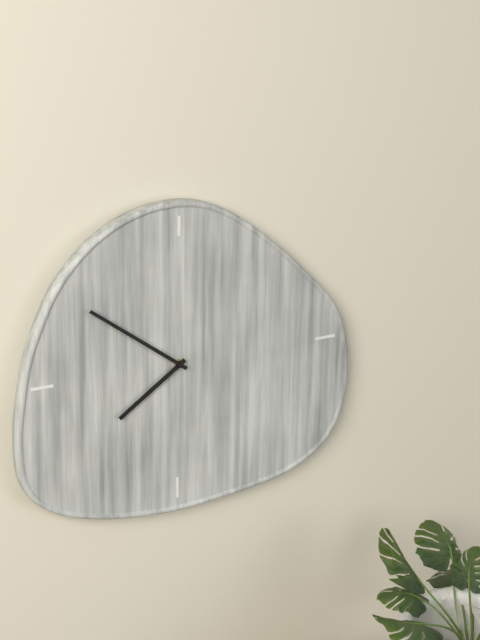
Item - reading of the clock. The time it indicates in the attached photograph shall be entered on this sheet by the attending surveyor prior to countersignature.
7:51
